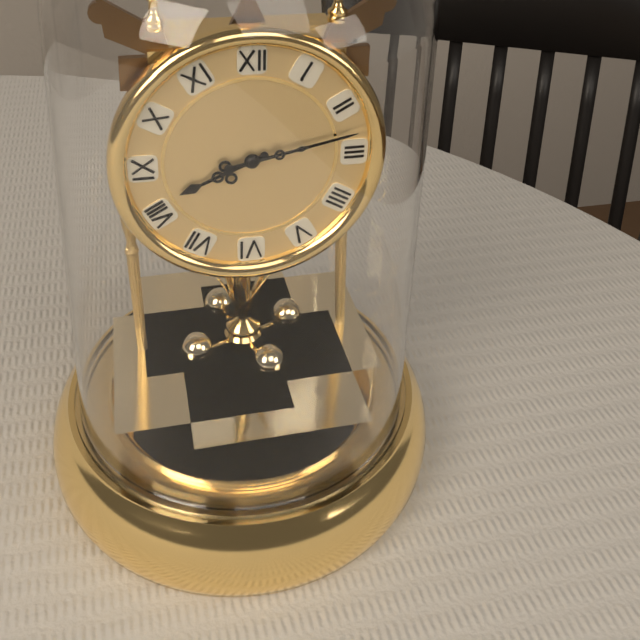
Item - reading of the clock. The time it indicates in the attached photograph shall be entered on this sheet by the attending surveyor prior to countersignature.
8:13
